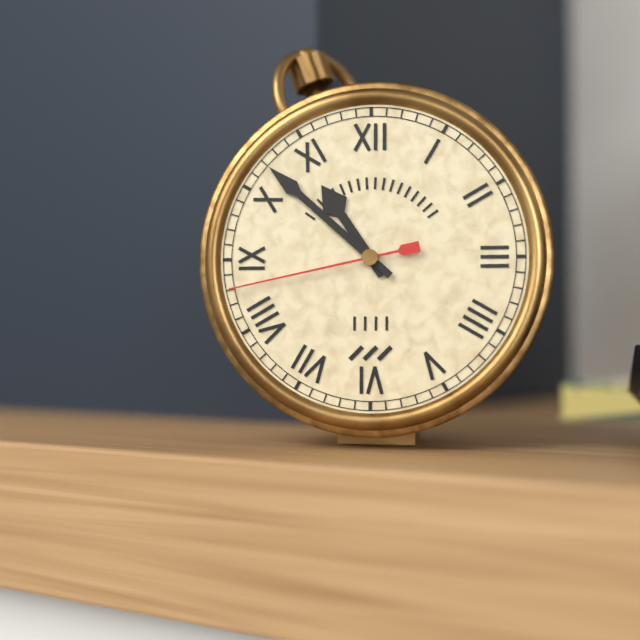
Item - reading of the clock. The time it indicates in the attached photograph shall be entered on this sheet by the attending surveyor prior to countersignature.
10:52:43
